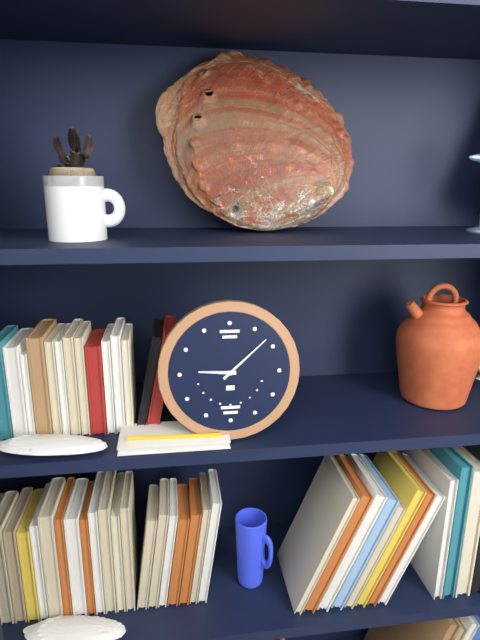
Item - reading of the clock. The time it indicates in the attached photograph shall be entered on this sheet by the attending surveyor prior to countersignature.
9:08
